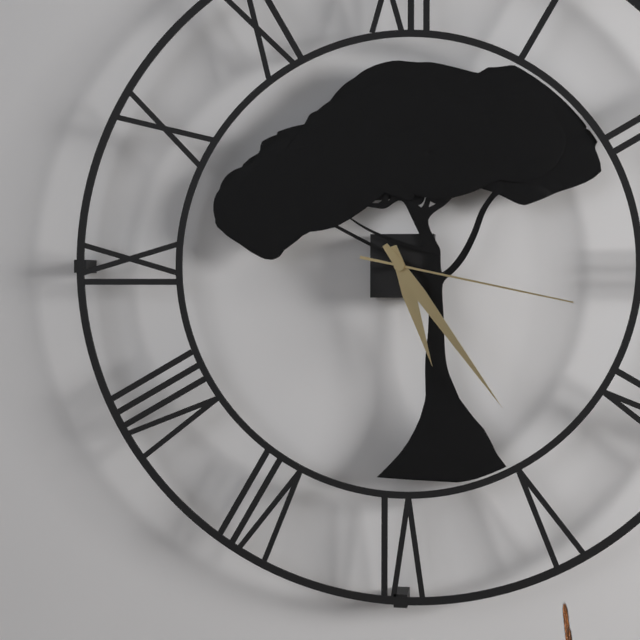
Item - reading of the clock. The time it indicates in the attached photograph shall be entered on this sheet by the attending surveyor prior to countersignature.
5:24:17
